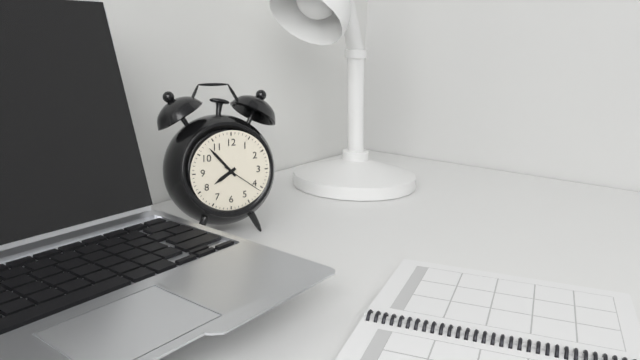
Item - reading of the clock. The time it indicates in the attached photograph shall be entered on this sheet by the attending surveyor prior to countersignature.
7:53
